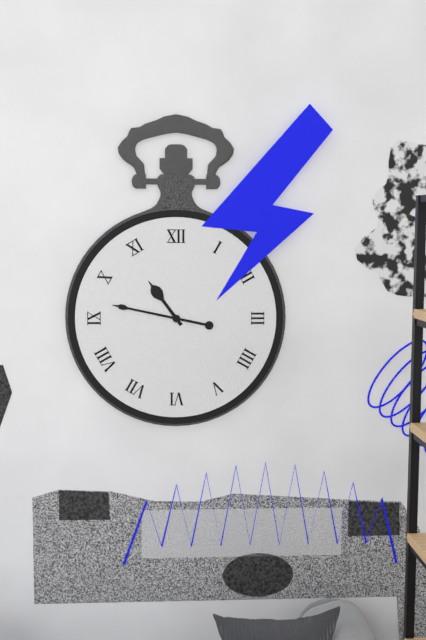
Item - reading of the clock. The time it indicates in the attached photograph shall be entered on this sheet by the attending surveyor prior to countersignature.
10:47
